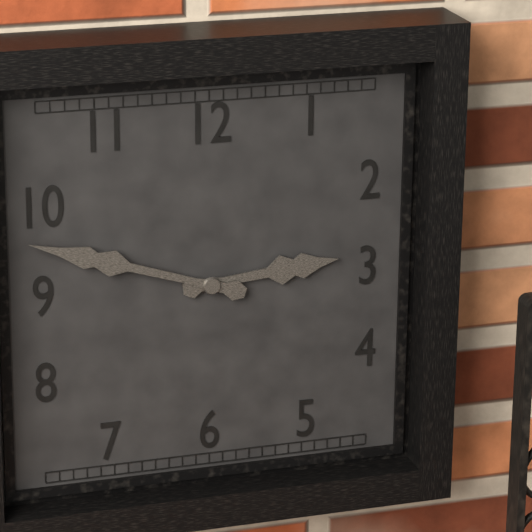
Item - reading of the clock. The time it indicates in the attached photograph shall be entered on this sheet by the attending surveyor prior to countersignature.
2:48
